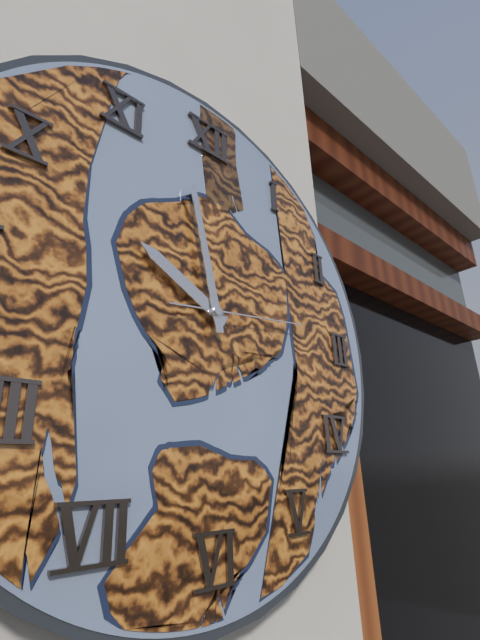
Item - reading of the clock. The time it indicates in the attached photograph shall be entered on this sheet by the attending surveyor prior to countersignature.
9:58:14
